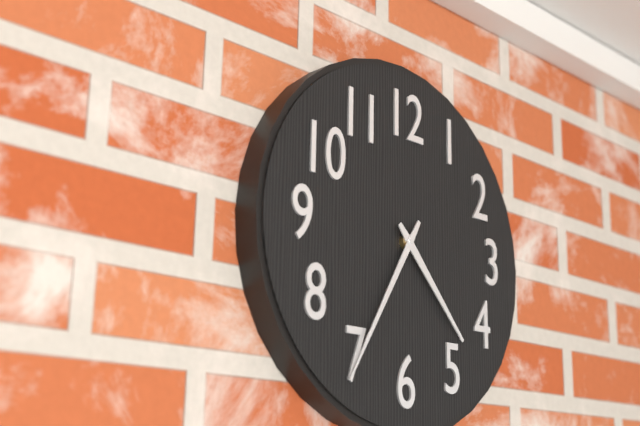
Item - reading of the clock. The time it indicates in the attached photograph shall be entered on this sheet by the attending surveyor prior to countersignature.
4:35
